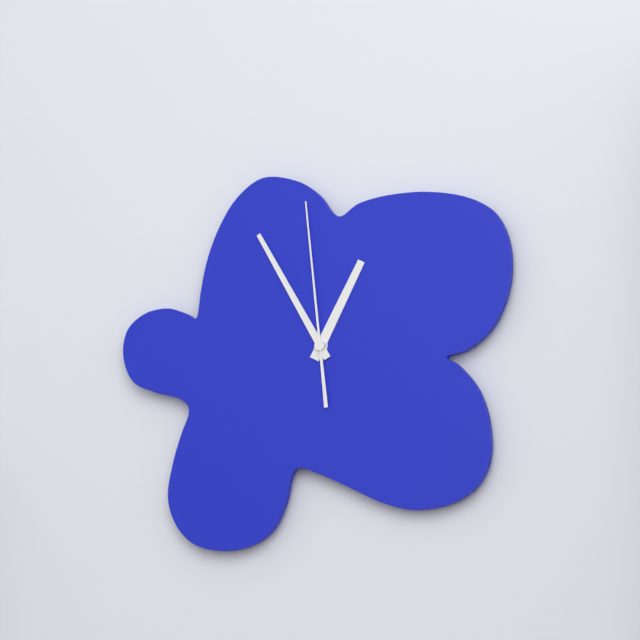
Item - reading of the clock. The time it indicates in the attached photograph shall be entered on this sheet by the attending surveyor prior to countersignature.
12:55:59
